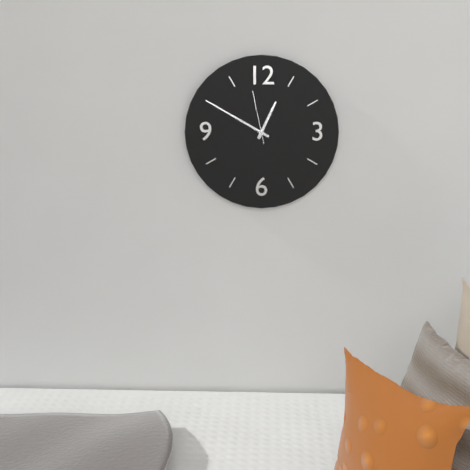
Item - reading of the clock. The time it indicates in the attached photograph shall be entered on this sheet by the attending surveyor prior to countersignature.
12:50:58
